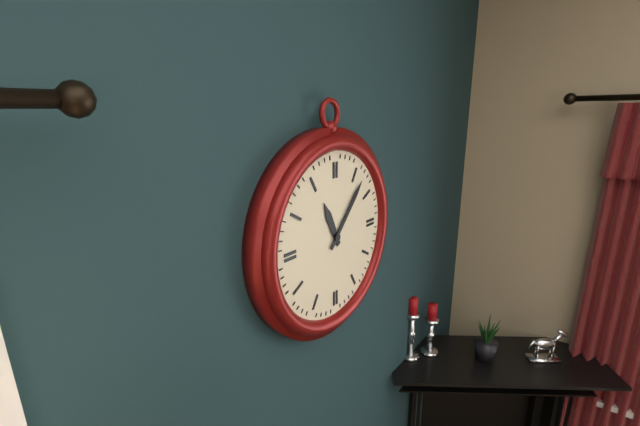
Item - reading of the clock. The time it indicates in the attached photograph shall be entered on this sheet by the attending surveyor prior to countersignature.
11:07
